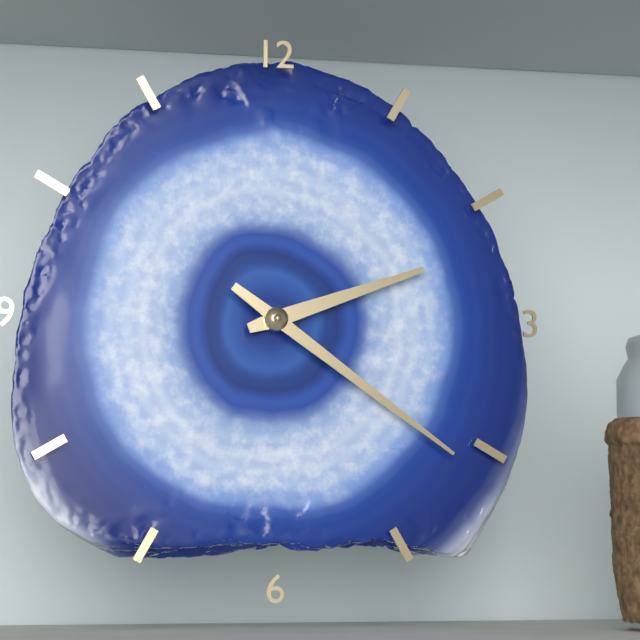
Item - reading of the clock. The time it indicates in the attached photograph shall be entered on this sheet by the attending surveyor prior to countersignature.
2:21
